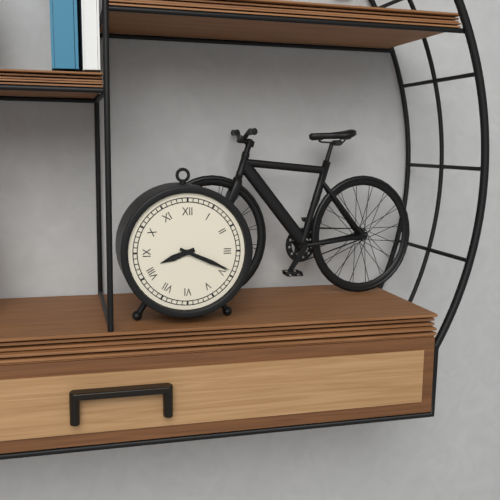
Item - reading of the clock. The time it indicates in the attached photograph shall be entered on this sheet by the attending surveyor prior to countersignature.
8:19
